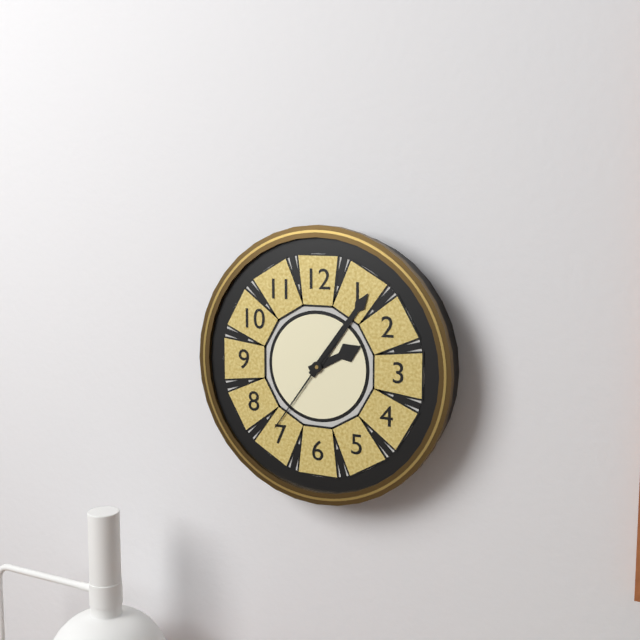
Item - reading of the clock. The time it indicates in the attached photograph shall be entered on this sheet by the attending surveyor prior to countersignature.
2:06:36
